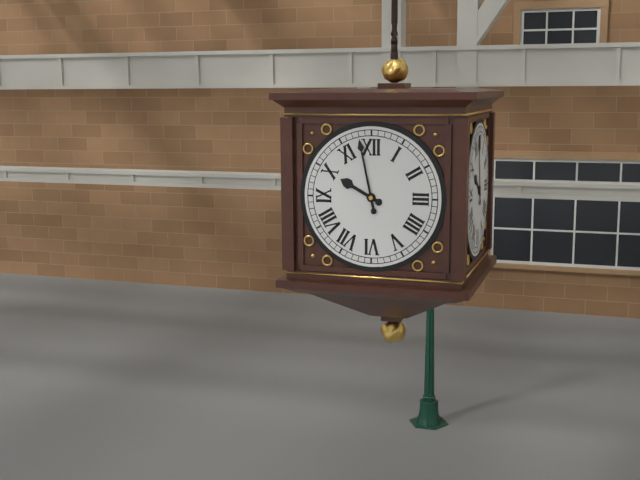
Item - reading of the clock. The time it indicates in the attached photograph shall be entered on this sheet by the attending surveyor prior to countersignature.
9:58
